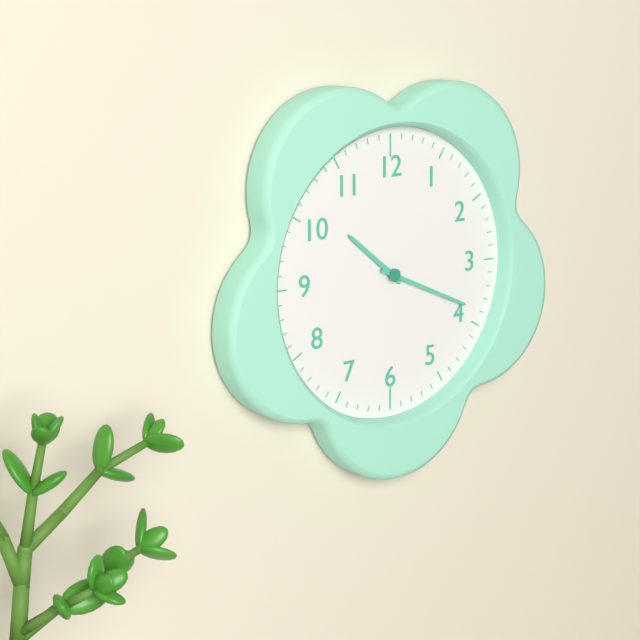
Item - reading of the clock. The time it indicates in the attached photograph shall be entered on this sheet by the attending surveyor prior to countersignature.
10:19
